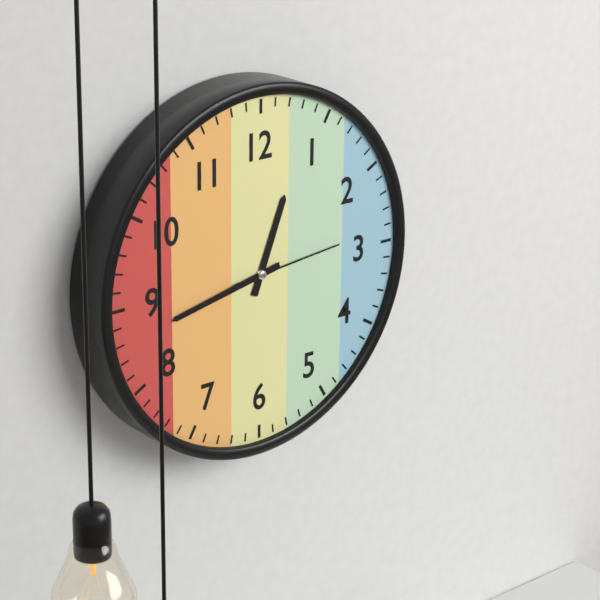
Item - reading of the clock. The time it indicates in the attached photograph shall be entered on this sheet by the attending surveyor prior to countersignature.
12:43:14
